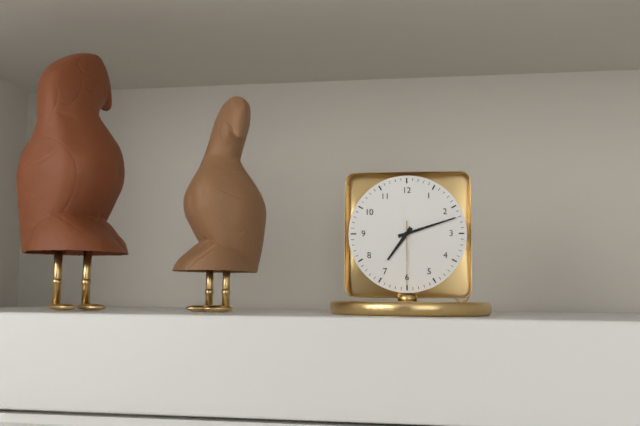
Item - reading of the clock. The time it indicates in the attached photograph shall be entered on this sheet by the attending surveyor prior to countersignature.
7:12:30
